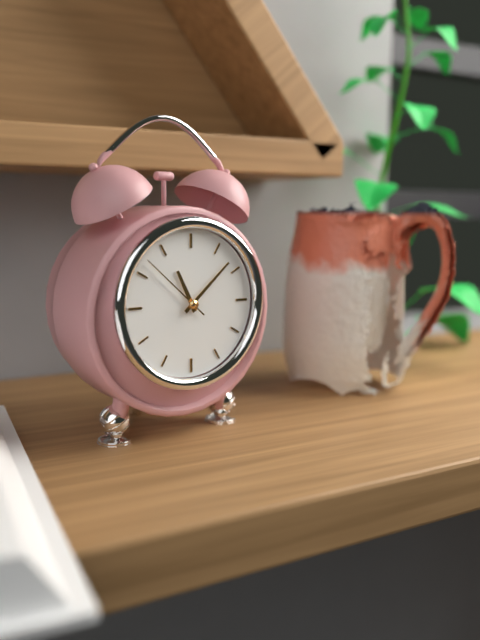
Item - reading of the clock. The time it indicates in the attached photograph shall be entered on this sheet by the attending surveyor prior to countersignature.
11:08:52
